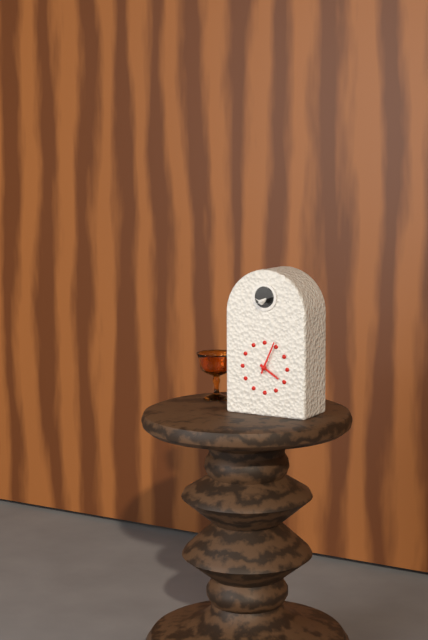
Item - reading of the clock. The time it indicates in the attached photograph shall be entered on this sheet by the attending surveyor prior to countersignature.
4:04
